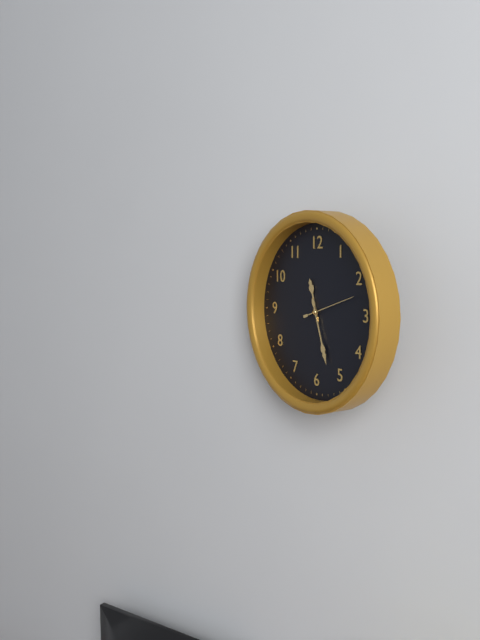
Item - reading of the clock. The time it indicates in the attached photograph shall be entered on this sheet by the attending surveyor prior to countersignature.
11:27:12
